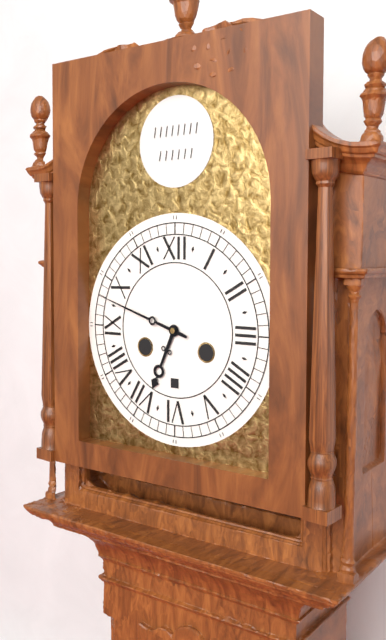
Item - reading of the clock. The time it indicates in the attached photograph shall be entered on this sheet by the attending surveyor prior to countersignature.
6:48
